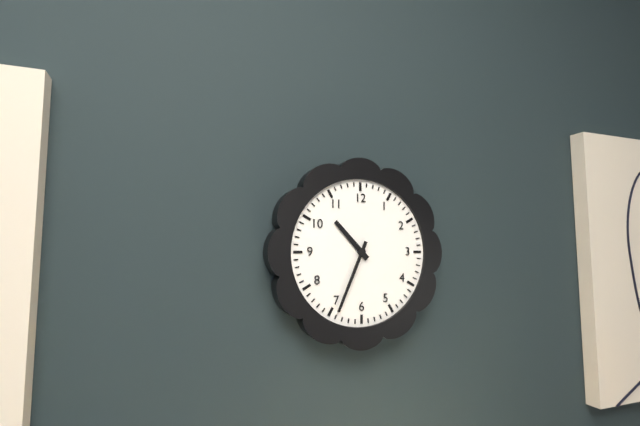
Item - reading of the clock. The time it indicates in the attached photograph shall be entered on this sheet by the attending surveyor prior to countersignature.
10:34
